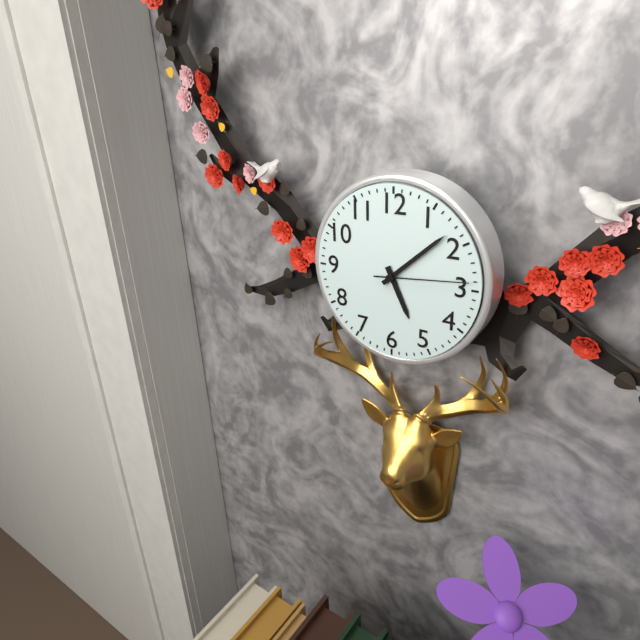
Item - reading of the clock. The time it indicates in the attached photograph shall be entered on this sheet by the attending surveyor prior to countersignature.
5:08:14
